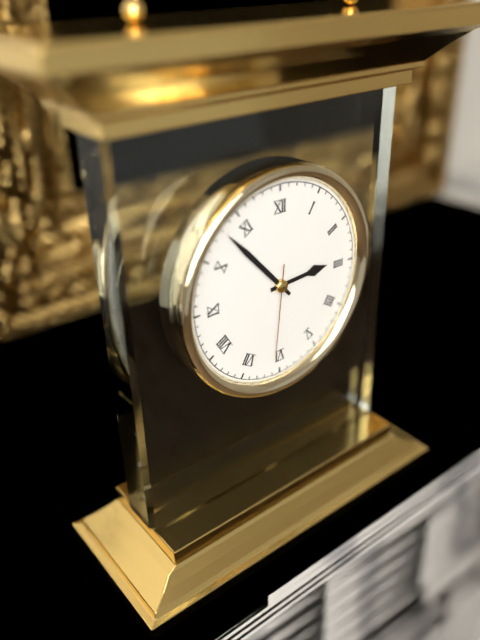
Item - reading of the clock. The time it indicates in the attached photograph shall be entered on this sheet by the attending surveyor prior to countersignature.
2:53:31
